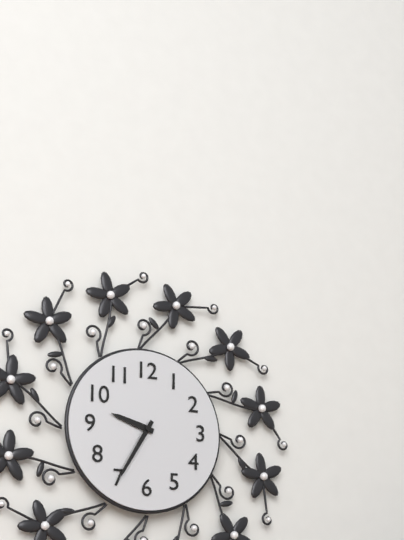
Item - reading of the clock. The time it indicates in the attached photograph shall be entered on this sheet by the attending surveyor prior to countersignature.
9:35
